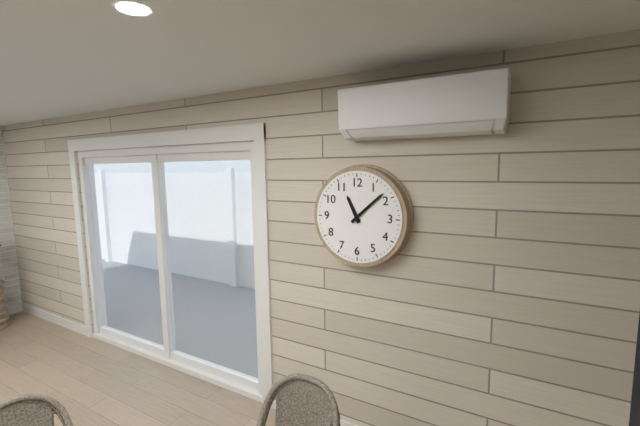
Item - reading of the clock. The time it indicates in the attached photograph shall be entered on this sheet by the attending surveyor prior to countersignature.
11:08
